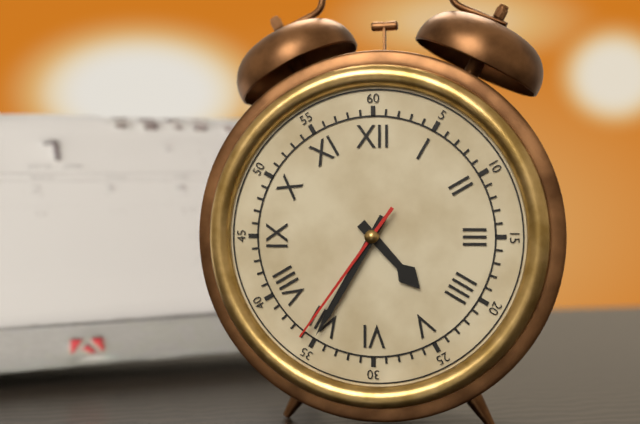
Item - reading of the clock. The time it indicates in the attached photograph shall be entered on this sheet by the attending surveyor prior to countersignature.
4:35:36
